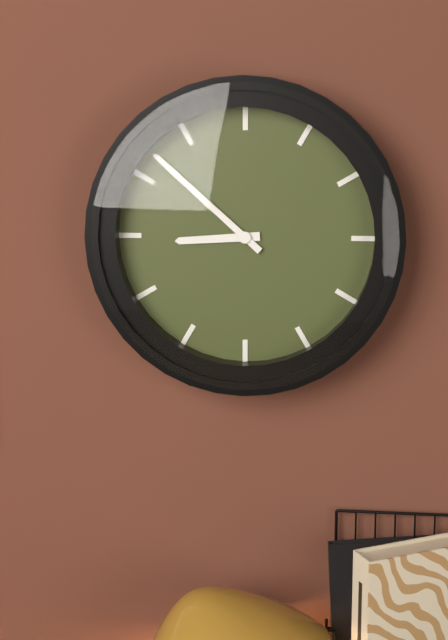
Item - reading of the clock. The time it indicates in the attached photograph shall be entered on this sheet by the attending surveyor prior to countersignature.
8:52
